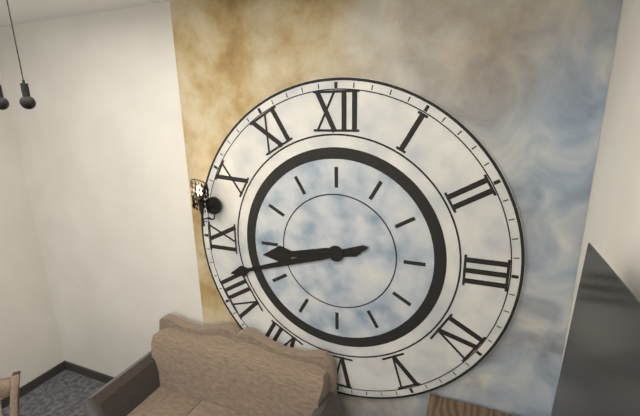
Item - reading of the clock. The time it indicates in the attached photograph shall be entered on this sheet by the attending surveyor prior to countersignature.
8:42
